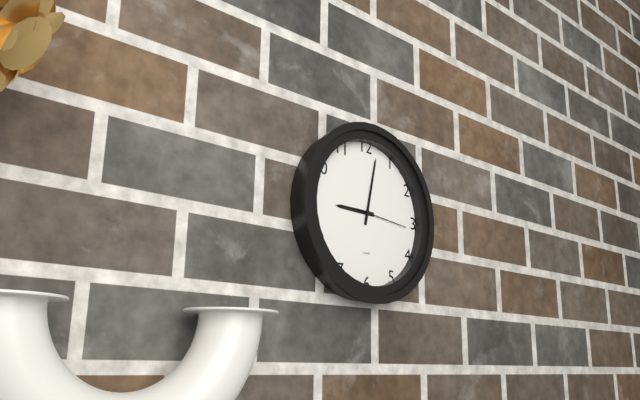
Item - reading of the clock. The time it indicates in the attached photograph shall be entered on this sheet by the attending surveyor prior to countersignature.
9:02:16
